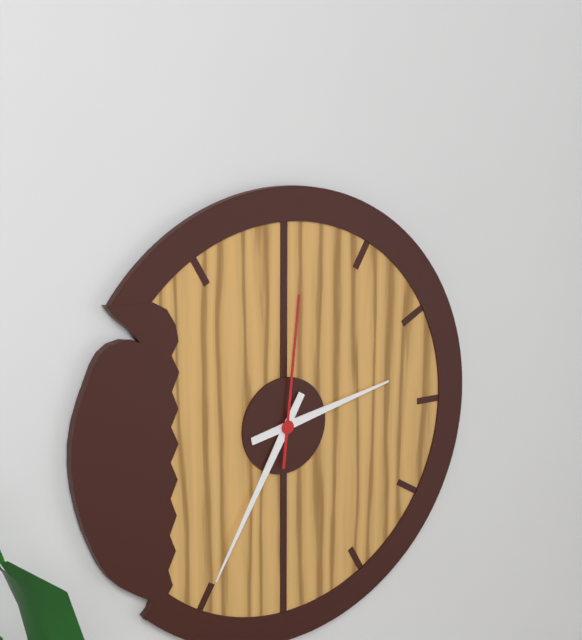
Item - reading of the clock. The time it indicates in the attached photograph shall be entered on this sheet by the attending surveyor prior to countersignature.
2:35:01
